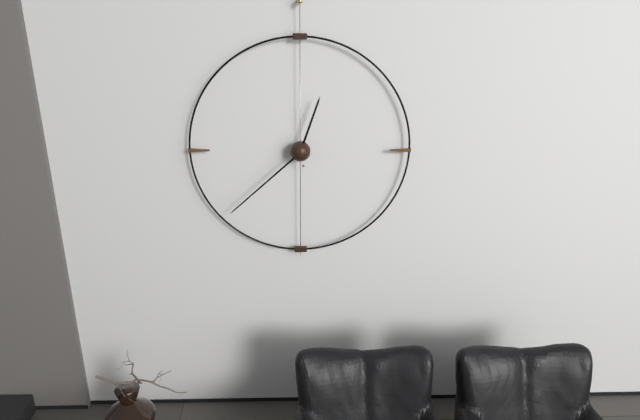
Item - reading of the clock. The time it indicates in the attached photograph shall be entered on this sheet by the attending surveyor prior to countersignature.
12:38
